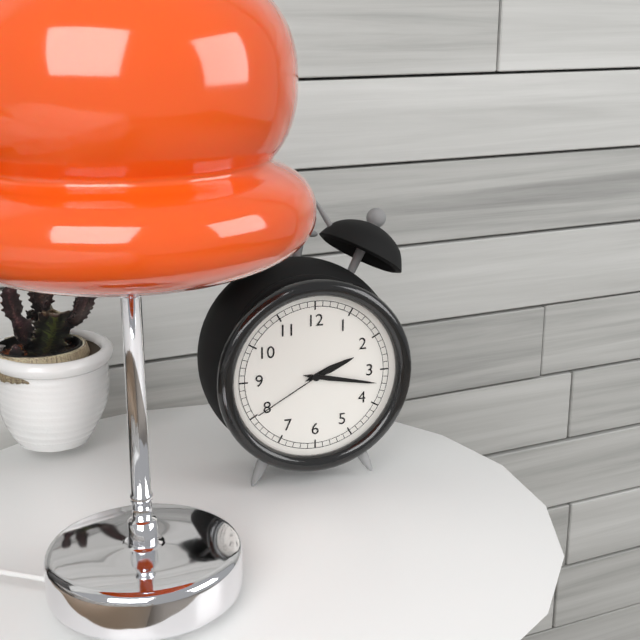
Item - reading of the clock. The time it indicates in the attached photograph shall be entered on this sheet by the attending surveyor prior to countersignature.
2:17:40
